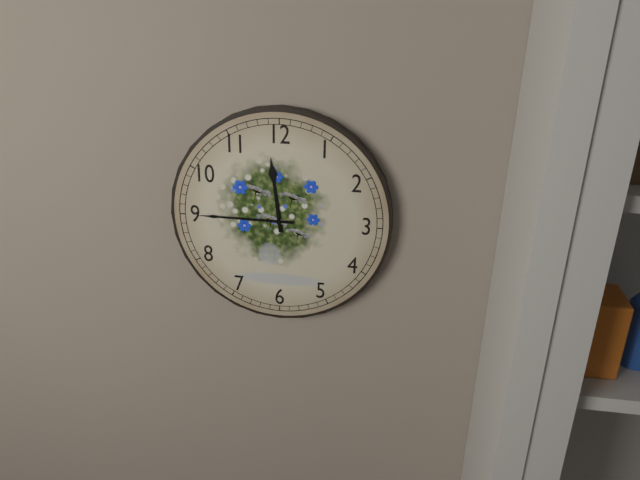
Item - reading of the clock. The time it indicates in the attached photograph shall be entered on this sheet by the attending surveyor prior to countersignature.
11:45
